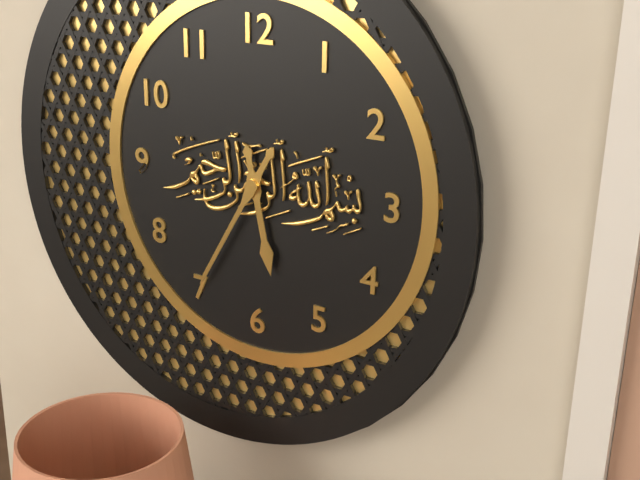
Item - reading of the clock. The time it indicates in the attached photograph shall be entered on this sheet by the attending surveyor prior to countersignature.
5:35
